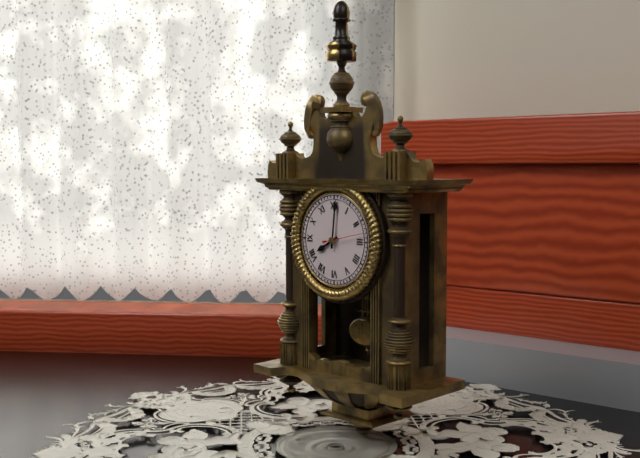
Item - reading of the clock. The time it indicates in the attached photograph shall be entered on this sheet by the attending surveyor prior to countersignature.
8:01
